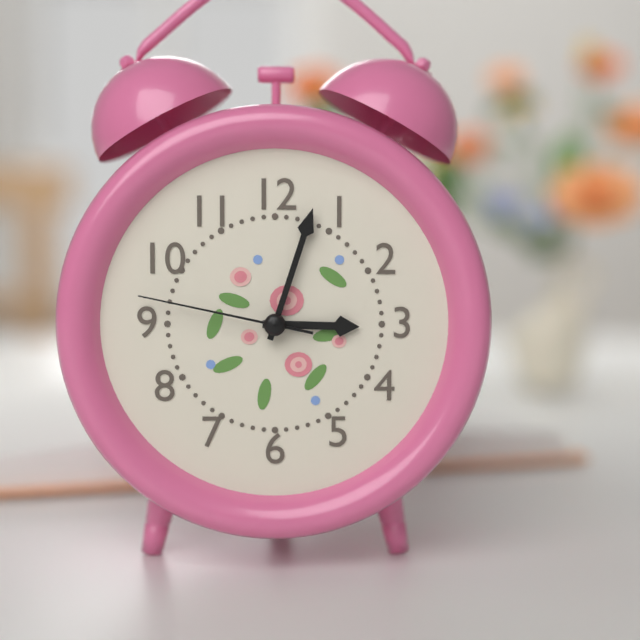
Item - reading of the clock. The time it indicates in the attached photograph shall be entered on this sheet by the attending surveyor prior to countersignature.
3:03:47
